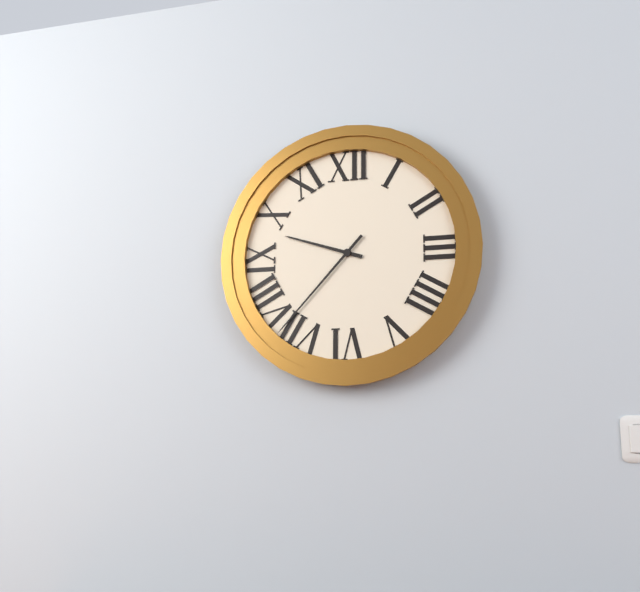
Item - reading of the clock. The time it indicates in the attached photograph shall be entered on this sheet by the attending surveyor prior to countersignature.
9:37
